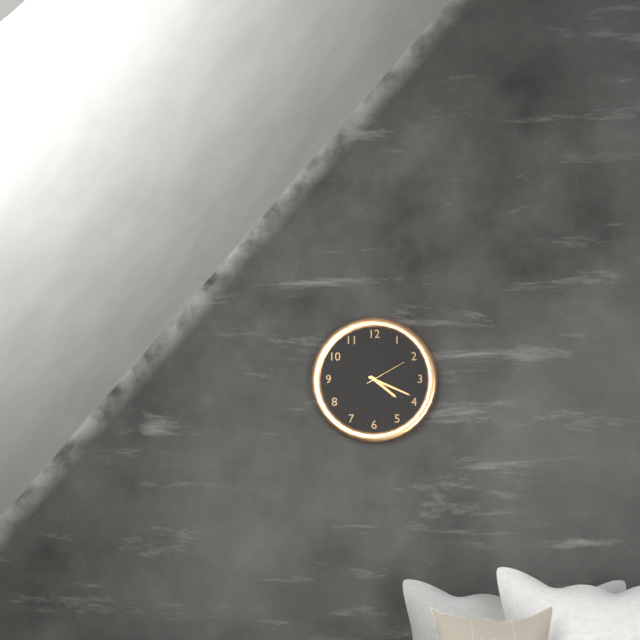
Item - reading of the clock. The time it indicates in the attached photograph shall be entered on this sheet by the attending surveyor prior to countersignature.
4:19
